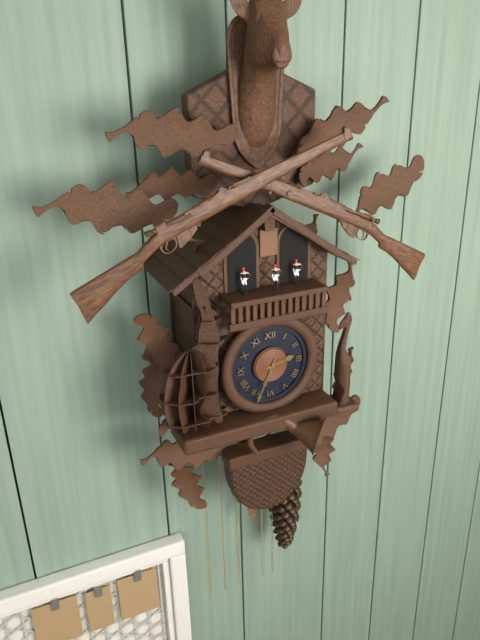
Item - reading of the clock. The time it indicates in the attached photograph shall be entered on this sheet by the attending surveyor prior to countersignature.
2:34
